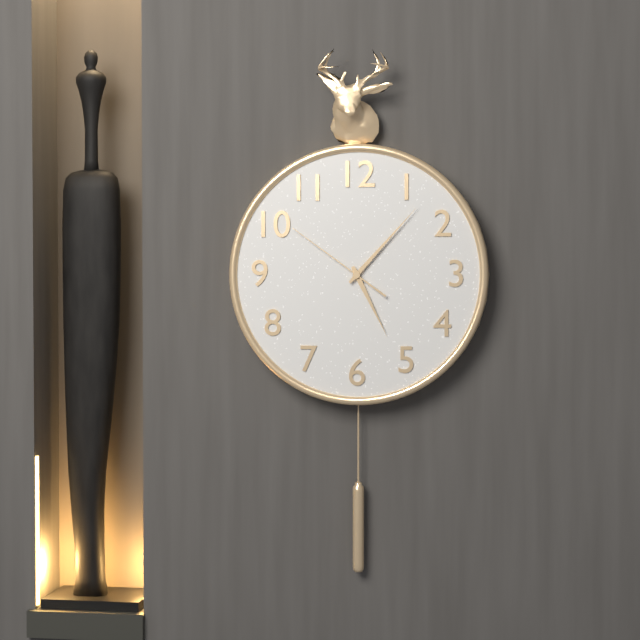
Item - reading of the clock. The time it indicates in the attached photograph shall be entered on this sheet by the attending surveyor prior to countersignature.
5:07:51
